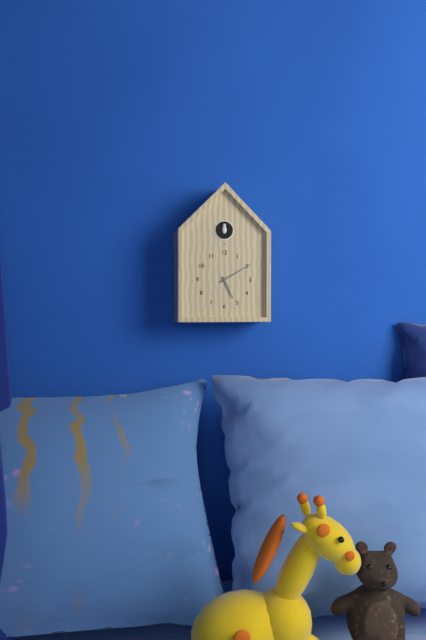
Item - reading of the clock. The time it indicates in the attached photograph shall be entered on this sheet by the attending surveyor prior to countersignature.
5:10
